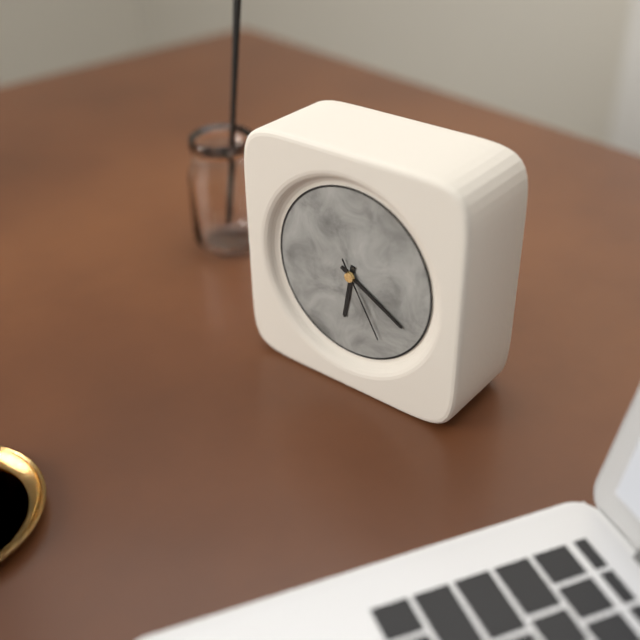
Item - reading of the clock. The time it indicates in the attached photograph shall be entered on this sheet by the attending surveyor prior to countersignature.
6:20:25
